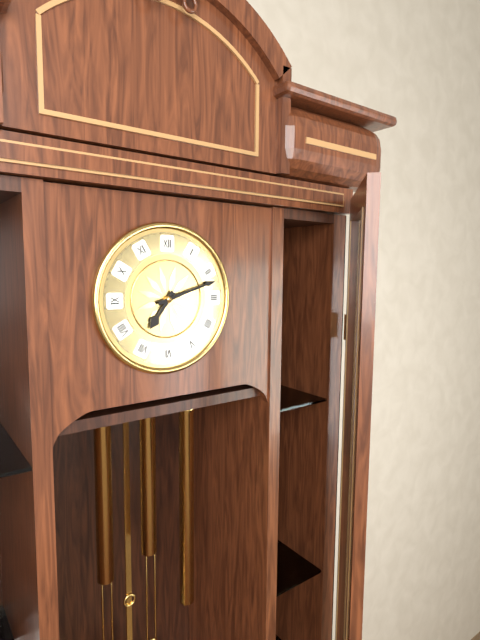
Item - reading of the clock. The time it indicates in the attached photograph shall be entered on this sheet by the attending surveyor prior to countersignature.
7:12
